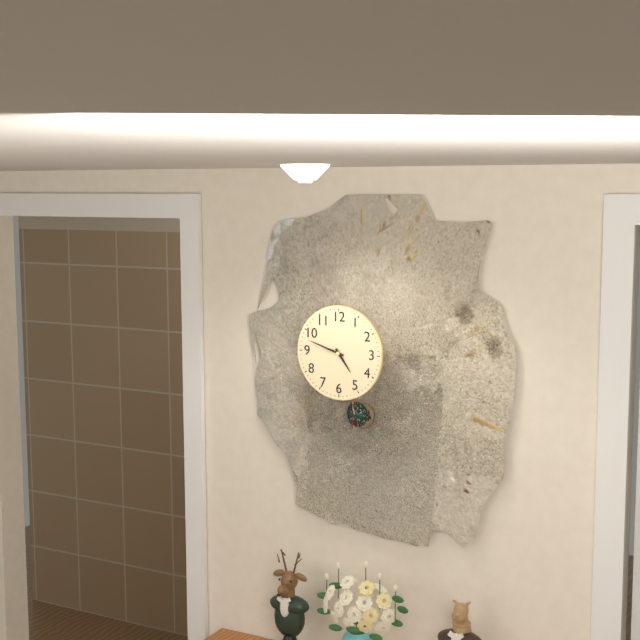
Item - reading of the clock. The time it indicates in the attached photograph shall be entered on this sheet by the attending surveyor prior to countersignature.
4:48
